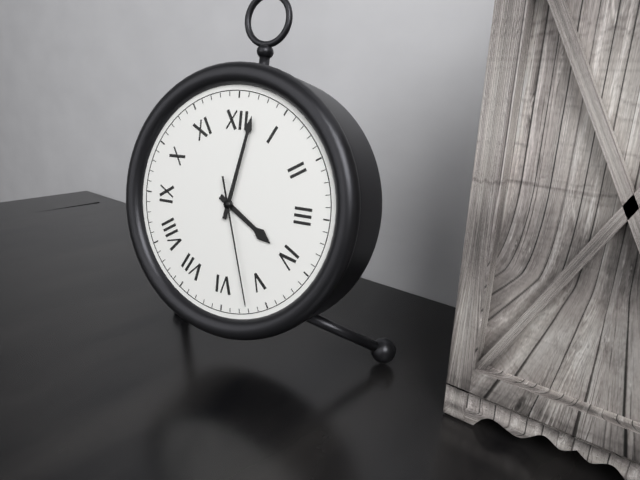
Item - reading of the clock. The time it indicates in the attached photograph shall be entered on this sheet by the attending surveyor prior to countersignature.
4:02:27
